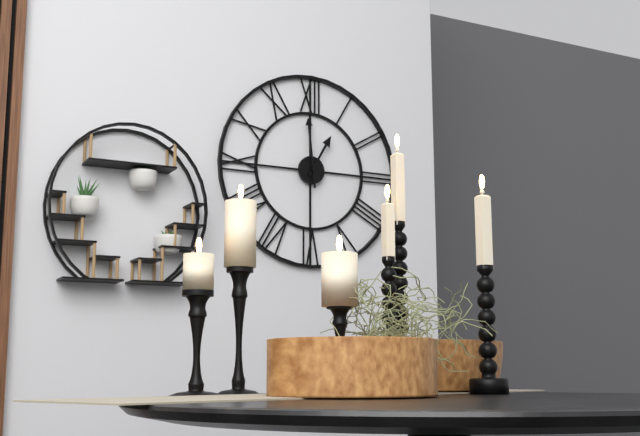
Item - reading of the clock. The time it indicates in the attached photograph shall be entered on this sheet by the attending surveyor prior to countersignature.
12:59
